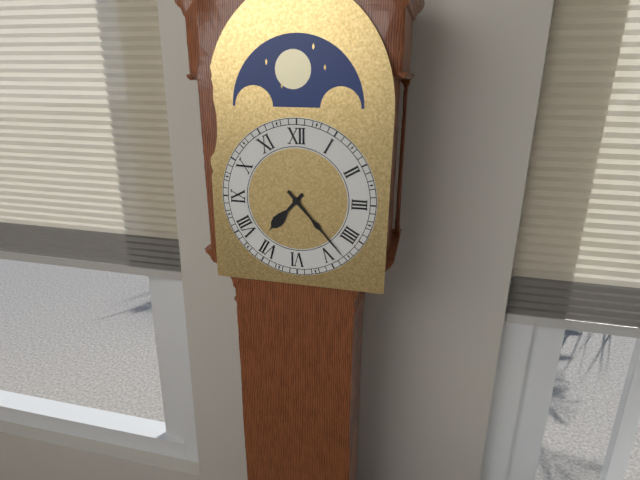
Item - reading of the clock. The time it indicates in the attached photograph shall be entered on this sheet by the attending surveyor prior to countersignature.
7:23
